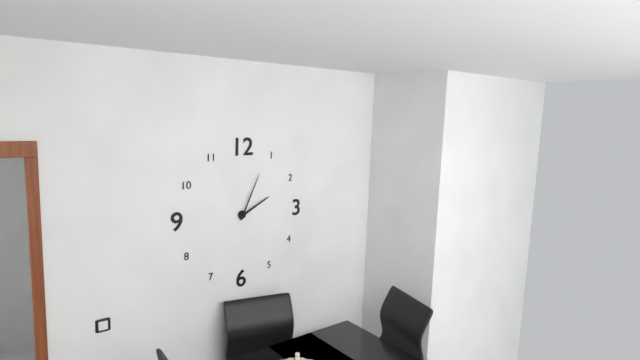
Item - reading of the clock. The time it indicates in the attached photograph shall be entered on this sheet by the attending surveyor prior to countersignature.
2:04
